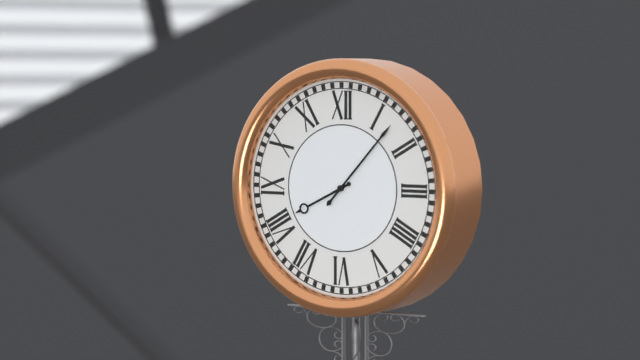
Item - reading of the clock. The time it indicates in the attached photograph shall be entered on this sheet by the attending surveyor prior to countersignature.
8:07
